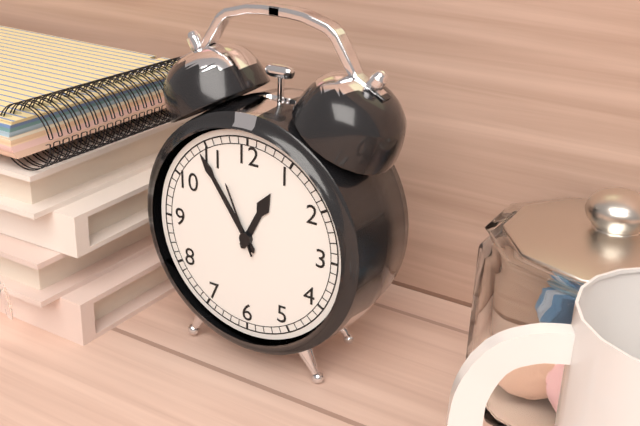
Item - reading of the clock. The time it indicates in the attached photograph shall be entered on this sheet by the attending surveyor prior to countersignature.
12:54:56
